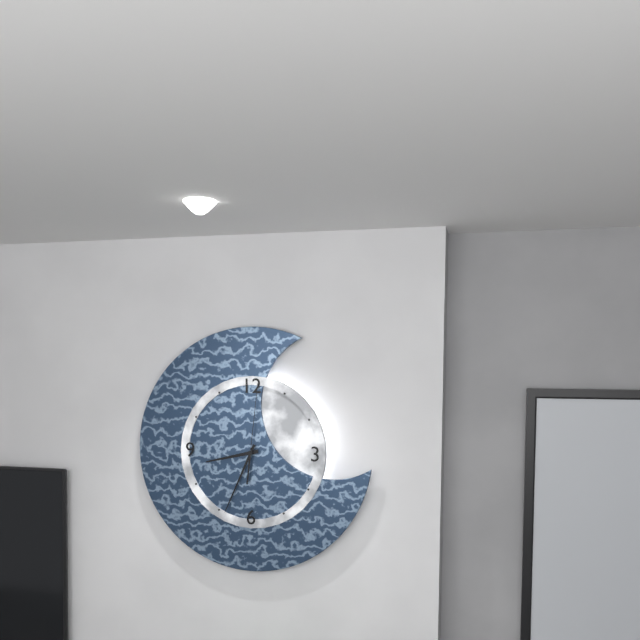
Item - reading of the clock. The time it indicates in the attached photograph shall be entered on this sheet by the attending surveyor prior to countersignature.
8:34:01
